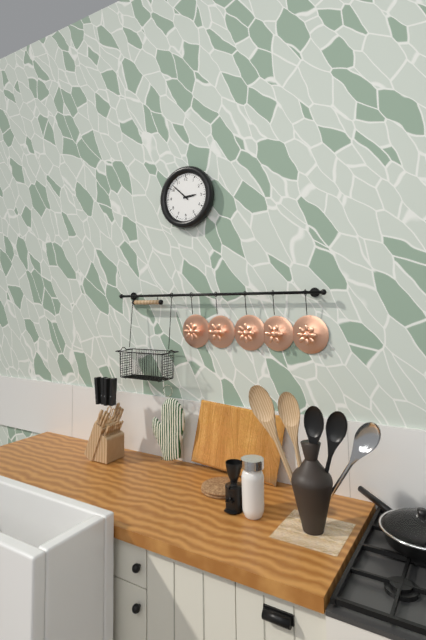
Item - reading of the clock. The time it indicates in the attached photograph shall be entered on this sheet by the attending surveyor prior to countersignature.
2:52
